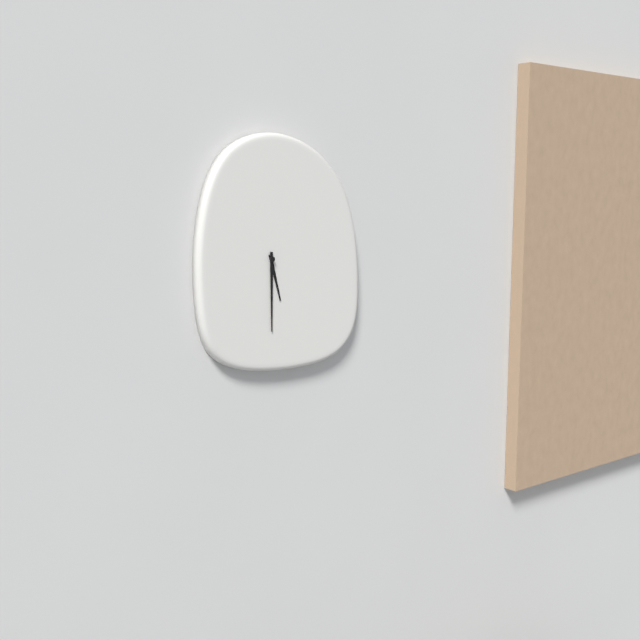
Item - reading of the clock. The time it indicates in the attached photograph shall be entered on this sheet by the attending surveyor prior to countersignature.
5:30
